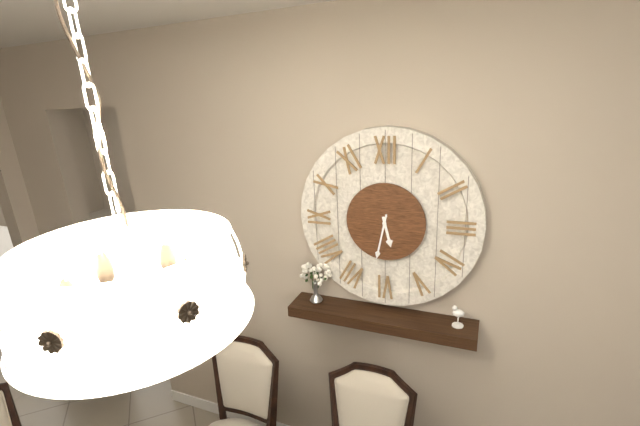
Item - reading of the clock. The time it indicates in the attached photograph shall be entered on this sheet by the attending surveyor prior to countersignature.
5:32
